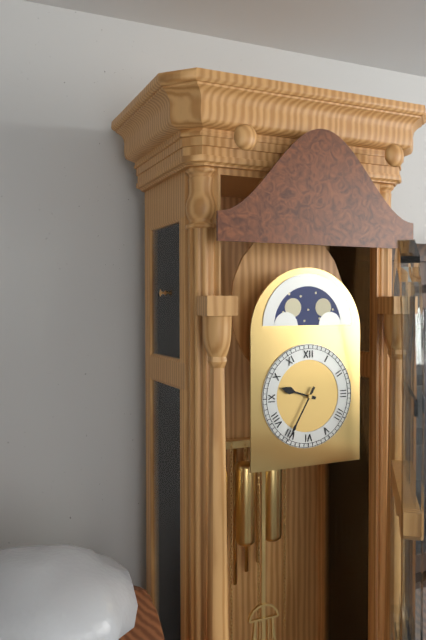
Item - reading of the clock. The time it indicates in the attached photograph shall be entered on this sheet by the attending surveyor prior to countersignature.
9:35
